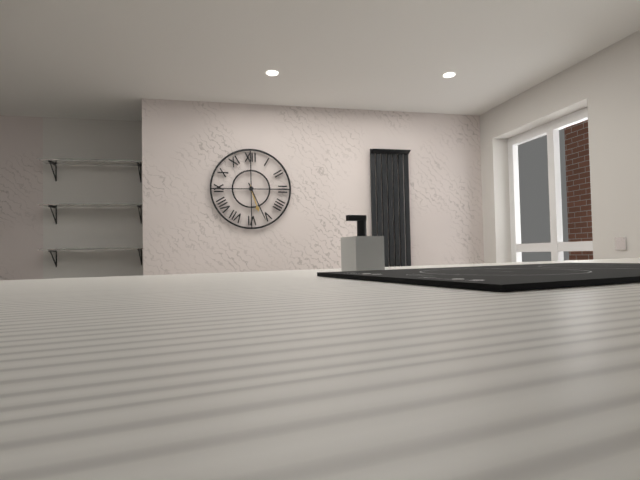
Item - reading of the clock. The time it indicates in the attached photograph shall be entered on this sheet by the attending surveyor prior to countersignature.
5:26
